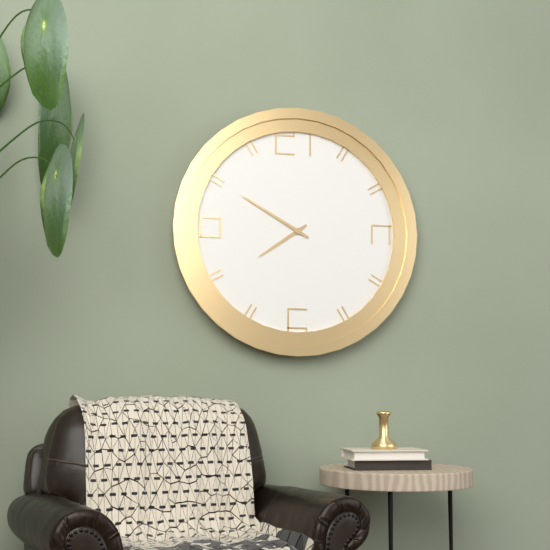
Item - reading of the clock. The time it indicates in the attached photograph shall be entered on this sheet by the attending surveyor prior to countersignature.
7:50
